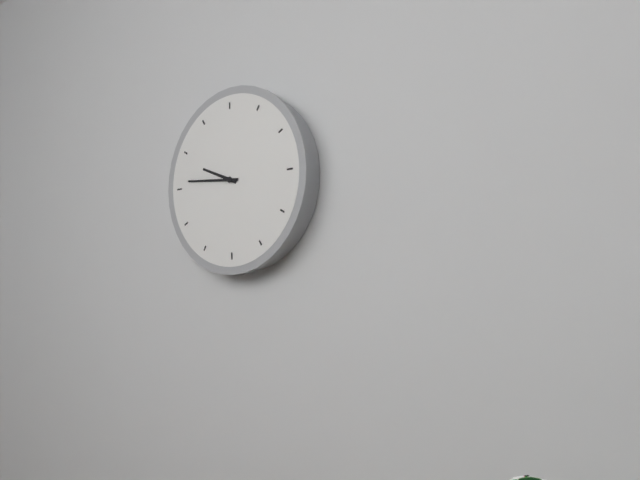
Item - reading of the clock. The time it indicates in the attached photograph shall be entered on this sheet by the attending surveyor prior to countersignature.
9:46
